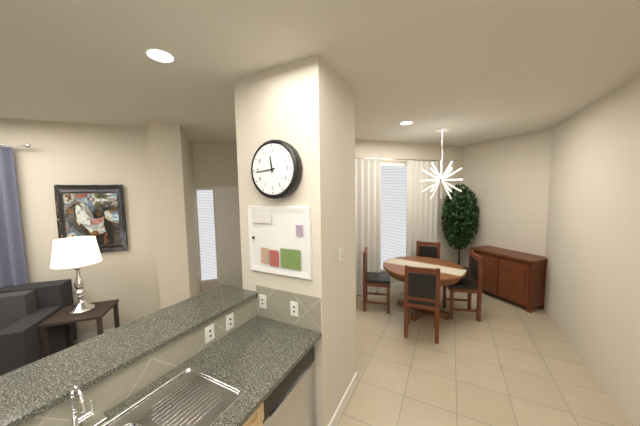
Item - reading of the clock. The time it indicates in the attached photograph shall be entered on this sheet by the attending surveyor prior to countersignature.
11:44
